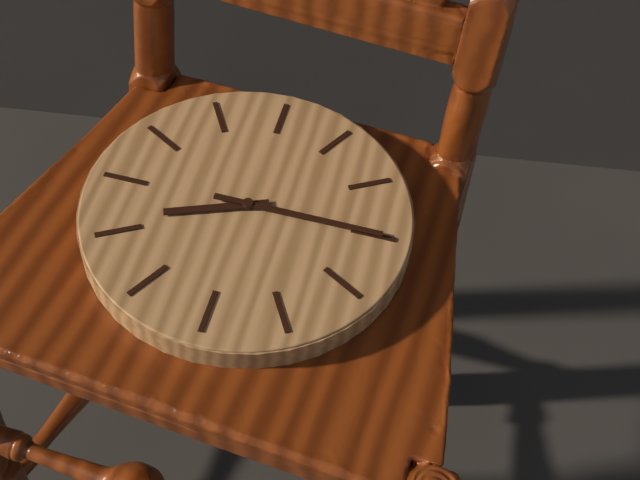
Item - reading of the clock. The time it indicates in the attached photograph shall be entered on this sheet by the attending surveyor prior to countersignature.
8:15
